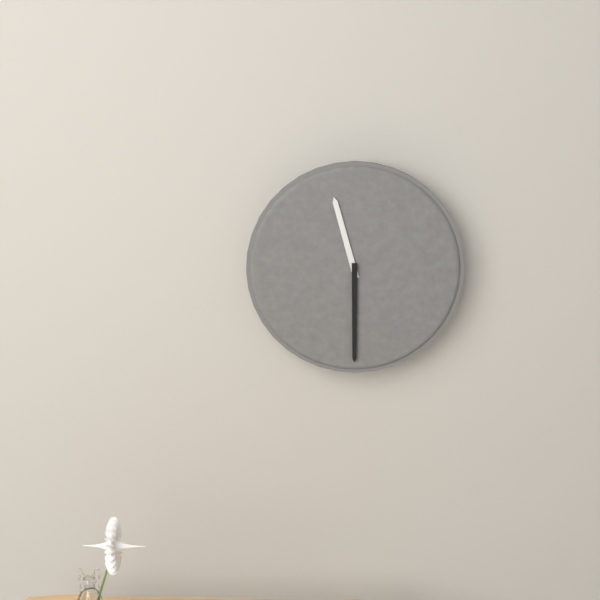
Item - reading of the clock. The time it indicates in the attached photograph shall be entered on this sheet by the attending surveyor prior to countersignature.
11:30
